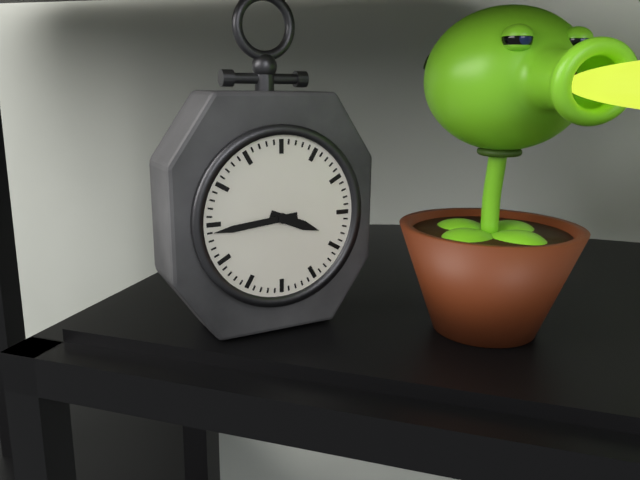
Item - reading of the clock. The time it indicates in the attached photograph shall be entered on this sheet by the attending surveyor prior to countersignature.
3:44
